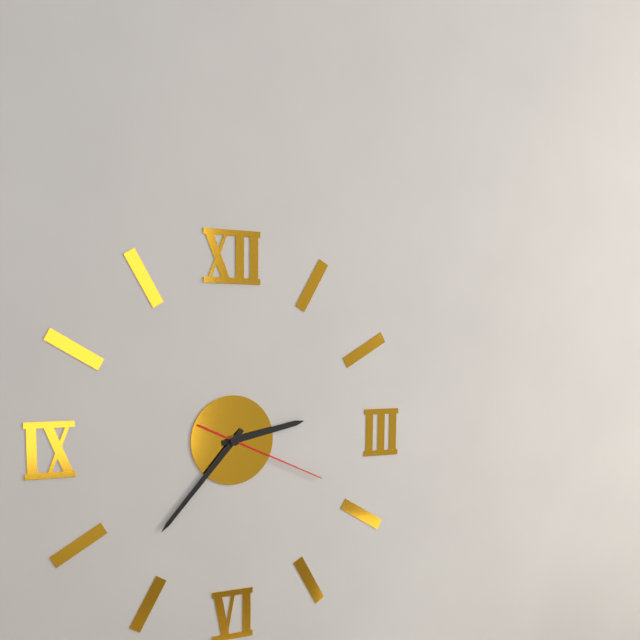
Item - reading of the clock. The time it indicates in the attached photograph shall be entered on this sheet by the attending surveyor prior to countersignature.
2:37:19
